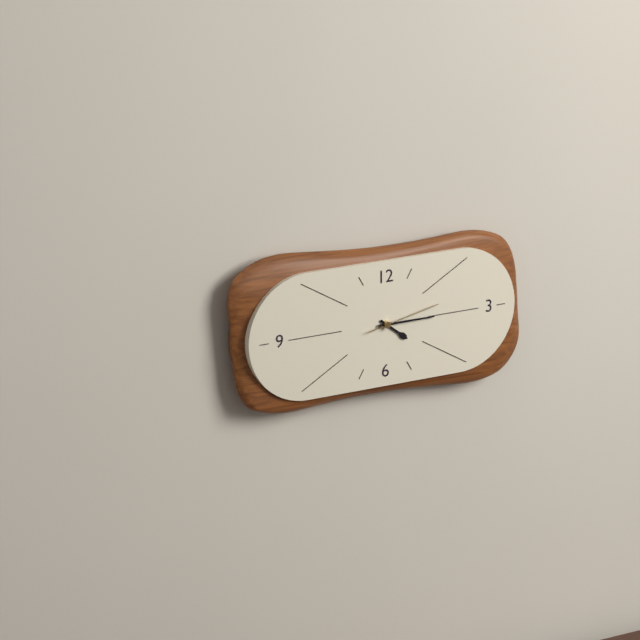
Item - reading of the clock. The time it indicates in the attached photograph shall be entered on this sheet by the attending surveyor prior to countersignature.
4:15:13
